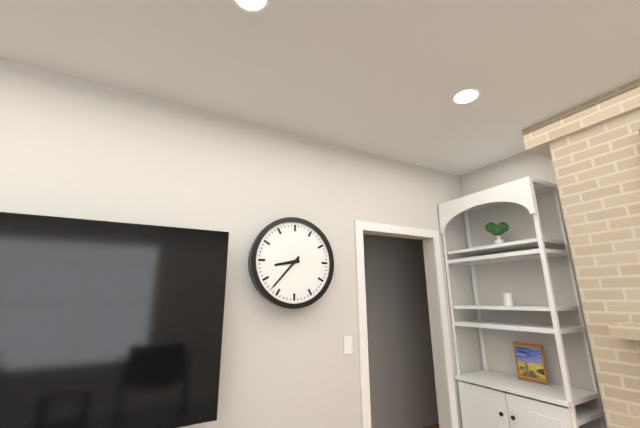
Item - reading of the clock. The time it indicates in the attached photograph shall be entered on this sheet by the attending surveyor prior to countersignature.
8:37
